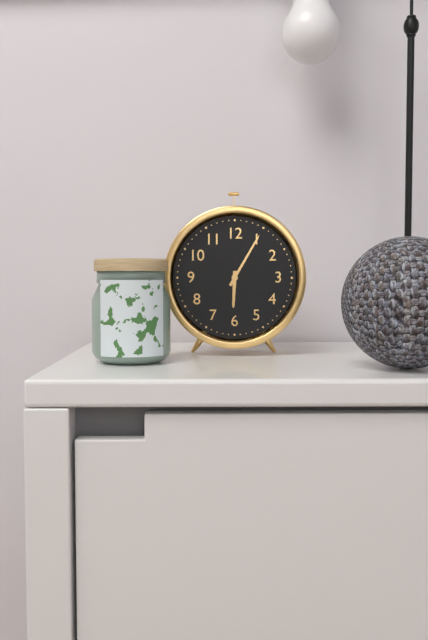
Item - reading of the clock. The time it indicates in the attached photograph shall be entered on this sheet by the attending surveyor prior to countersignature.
6:05
